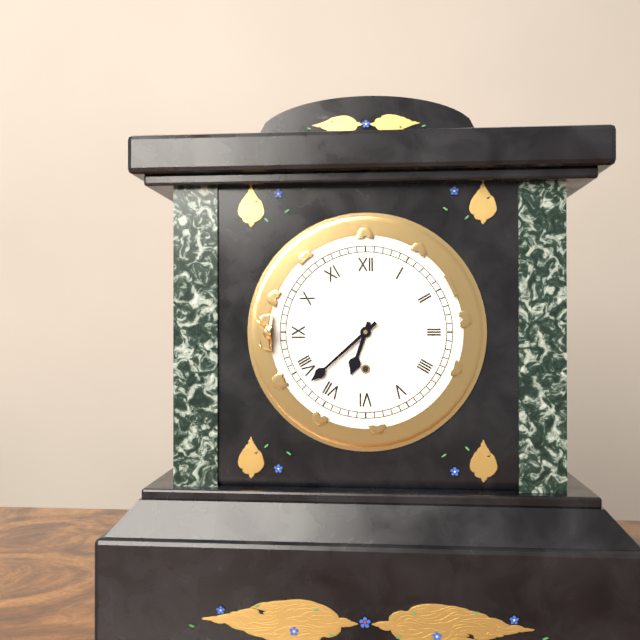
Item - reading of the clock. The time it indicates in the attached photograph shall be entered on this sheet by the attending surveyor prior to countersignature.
6:38
